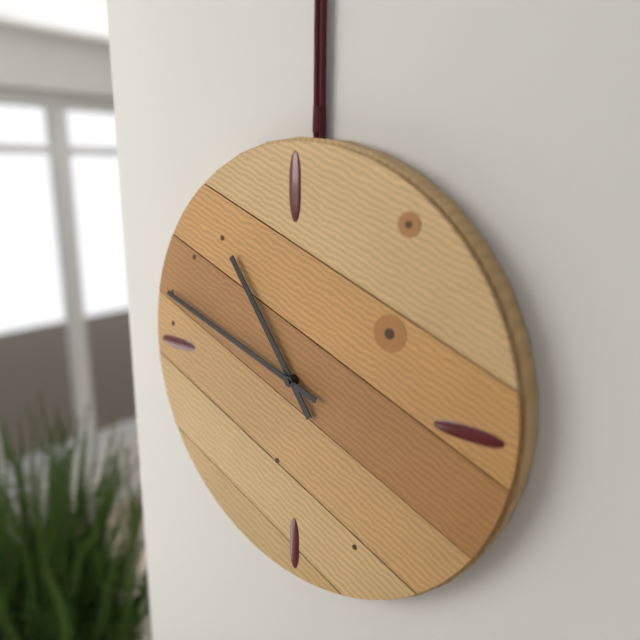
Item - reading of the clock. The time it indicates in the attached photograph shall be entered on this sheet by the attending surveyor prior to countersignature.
10:48
